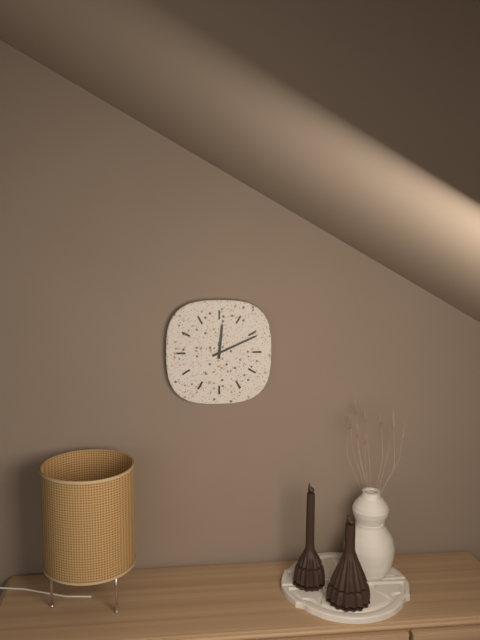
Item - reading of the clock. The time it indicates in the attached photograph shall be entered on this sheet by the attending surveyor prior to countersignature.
12:11
